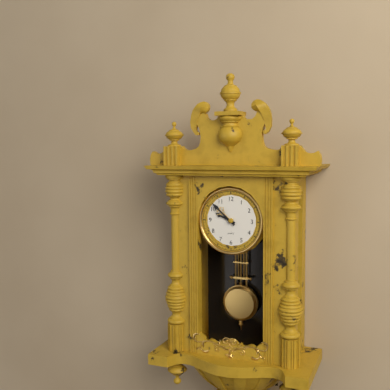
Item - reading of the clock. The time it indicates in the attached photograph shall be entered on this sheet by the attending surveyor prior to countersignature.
9:52
